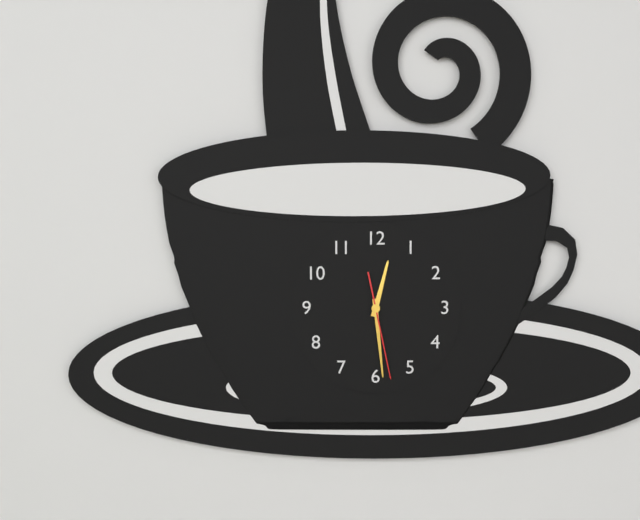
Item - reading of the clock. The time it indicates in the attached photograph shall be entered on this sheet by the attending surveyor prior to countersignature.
12:29:28
